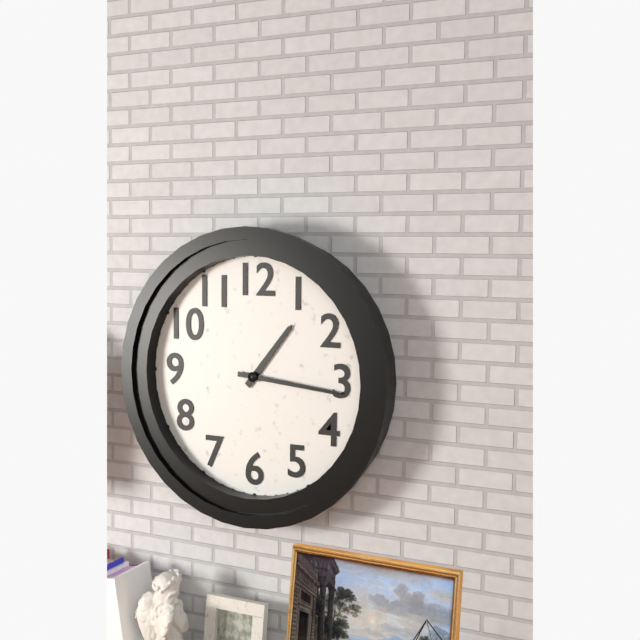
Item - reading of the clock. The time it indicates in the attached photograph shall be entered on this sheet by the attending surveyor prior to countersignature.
1:16
